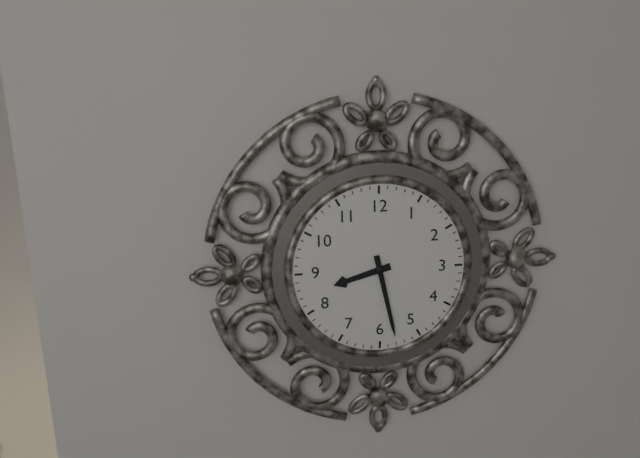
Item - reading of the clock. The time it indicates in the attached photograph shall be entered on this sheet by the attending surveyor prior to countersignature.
8:28
